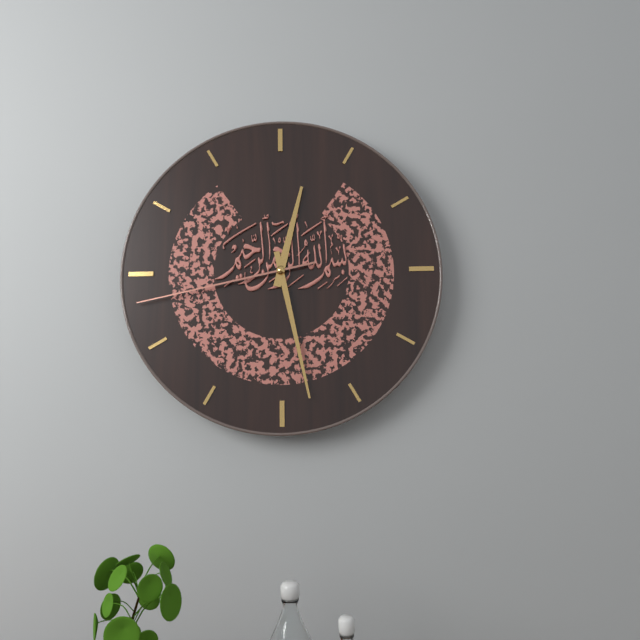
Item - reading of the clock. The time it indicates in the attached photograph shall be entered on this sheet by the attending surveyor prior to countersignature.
12:28:43
